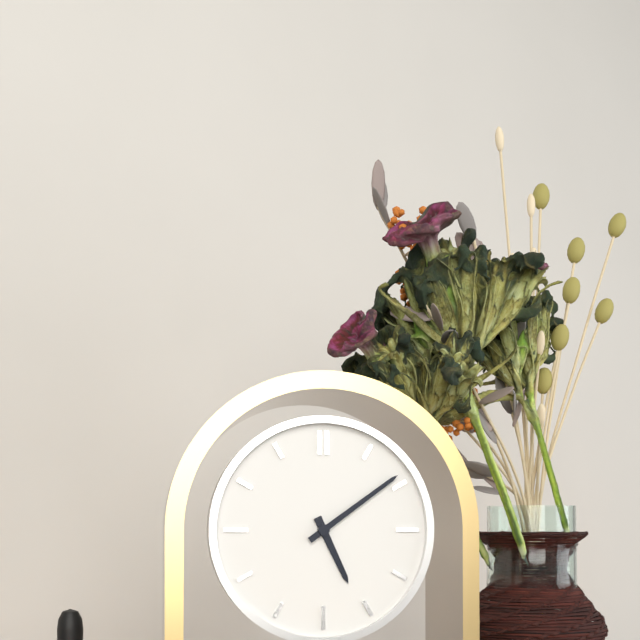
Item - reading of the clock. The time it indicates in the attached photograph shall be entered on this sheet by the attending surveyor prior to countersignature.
5:09
